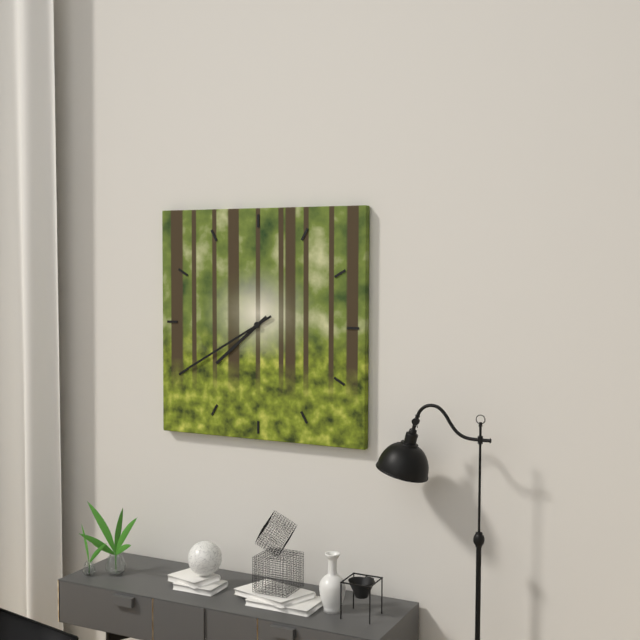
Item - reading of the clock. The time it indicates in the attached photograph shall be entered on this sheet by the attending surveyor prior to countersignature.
7:40
